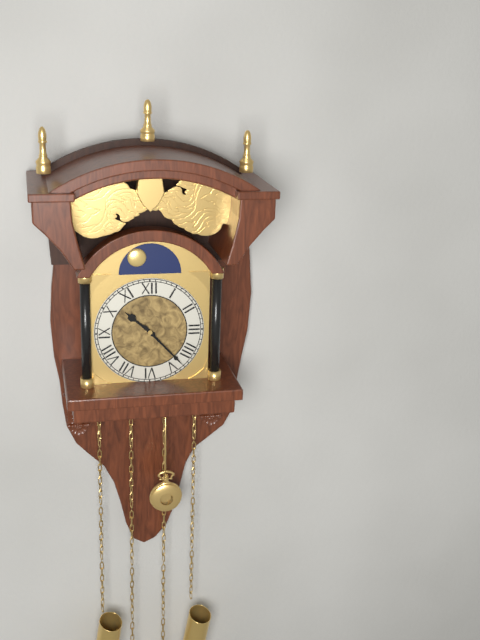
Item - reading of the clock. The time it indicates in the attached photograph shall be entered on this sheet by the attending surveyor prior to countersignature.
10:23
